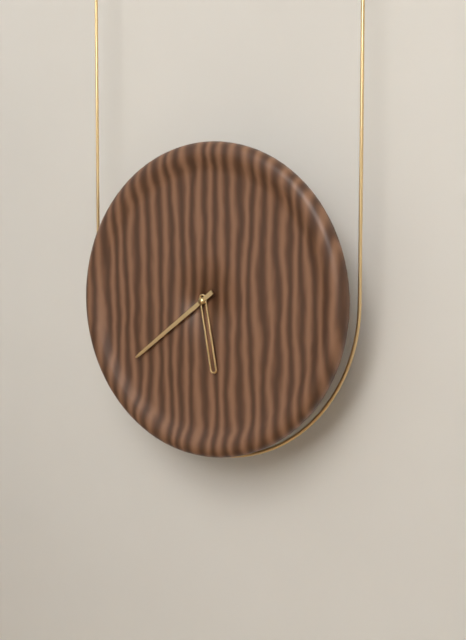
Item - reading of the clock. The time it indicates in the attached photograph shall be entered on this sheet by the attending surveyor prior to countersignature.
5:39
